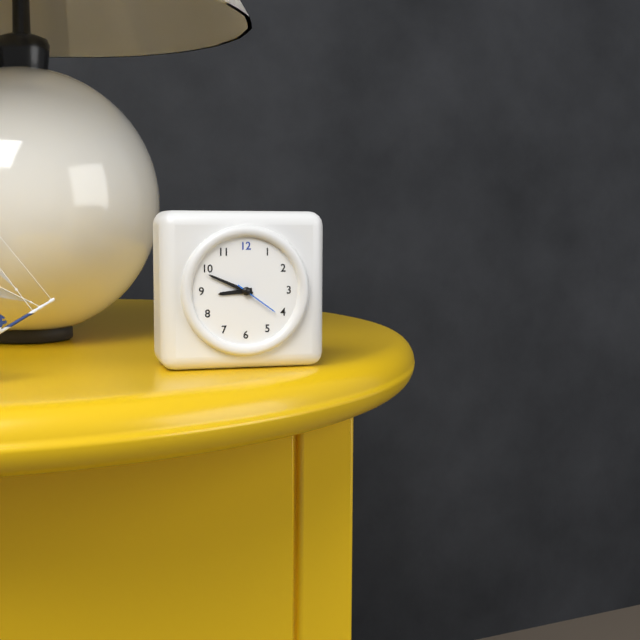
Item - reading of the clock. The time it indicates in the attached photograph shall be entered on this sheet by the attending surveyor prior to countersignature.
8:49
